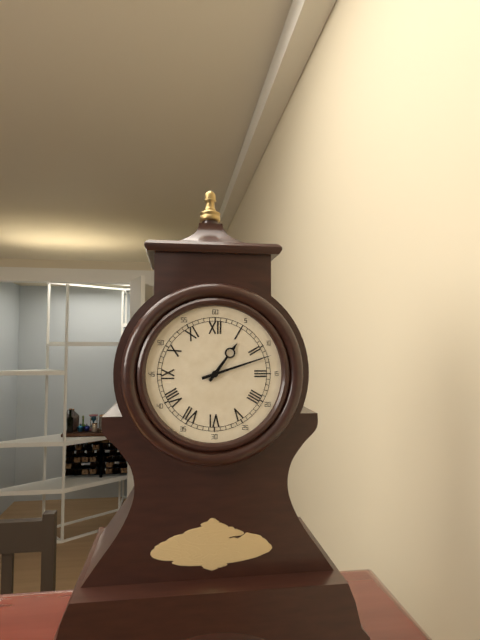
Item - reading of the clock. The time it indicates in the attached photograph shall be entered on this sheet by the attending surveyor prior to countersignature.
1:12
